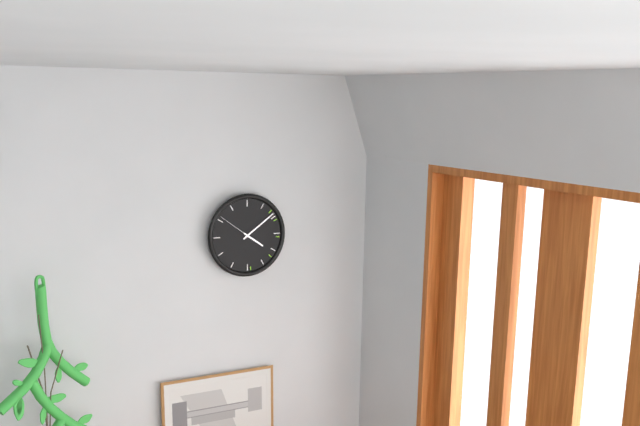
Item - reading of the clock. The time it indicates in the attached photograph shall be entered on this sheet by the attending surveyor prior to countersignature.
4:09
